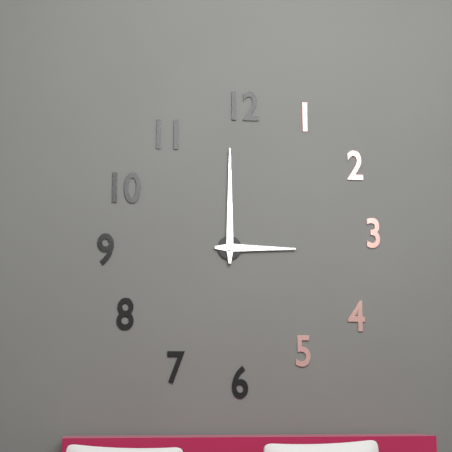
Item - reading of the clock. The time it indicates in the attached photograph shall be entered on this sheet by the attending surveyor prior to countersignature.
3:00
